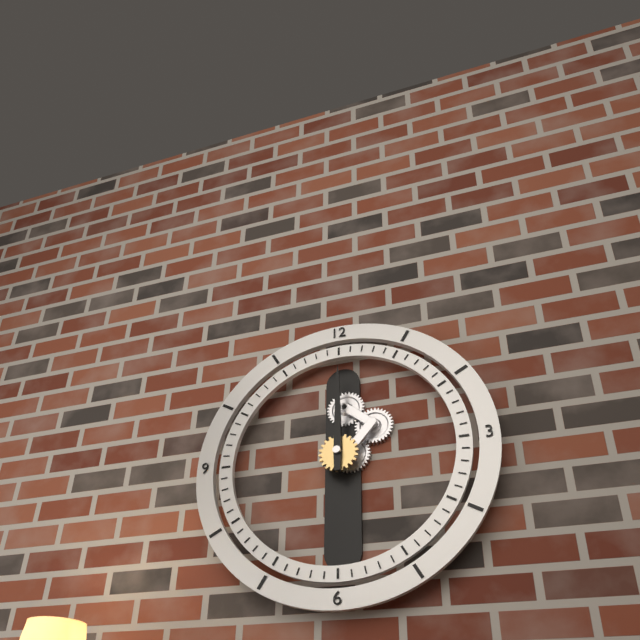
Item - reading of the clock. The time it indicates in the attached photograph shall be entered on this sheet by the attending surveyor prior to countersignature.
12:00
